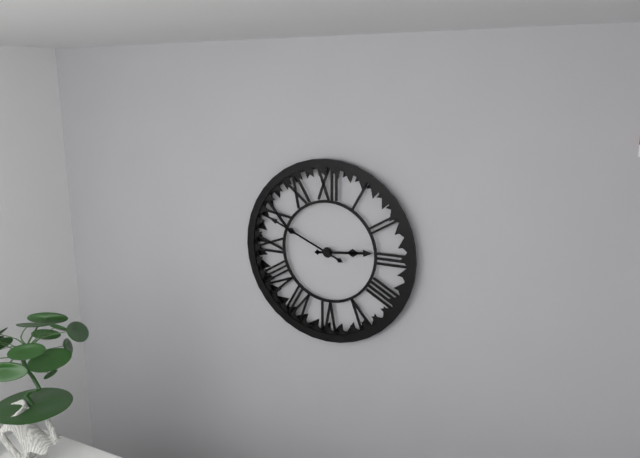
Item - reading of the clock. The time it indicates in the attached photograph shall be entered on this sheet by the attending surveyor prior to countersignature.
2:49
